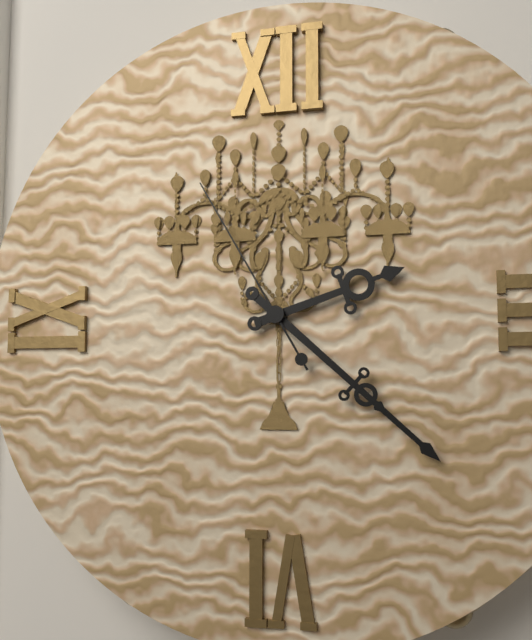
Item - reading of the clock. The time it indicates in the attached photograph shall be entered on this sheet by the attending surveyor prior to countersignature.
2:22:55
